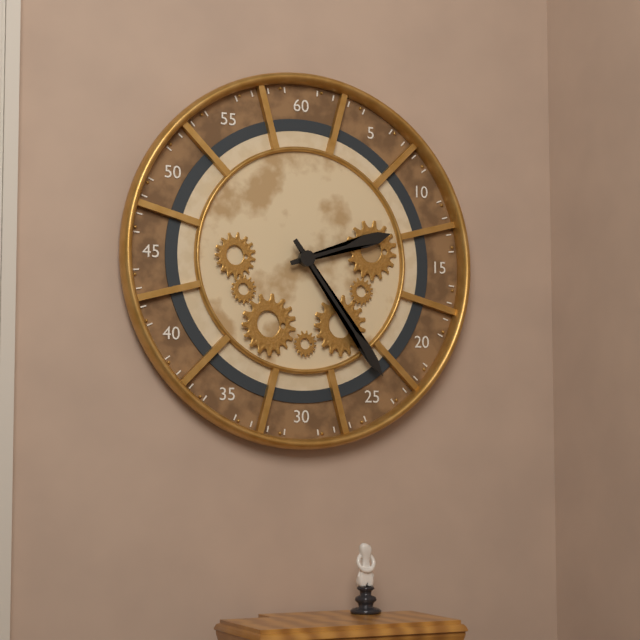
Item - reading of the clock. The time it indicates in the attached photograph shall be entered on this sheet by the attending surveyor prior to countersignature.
2:24
